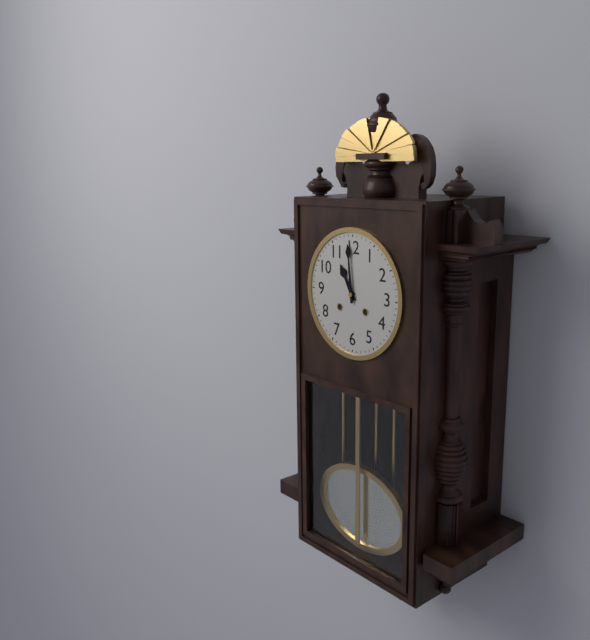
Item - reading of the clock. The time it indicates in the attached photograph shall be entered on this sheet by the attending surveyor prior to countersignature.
10:59
